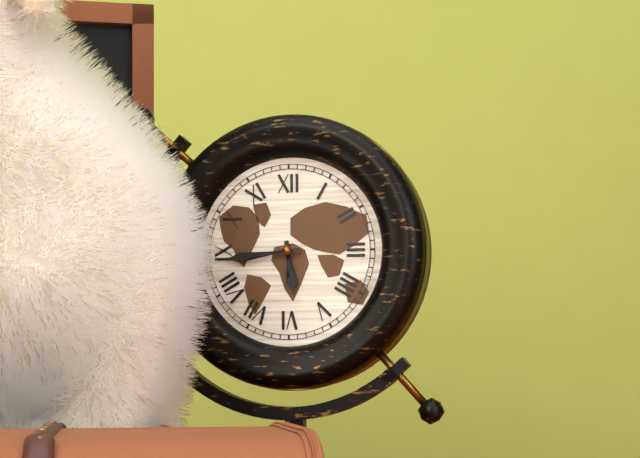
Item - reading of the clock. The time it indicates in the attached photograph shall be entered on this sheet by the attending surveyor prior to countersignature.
5:44
